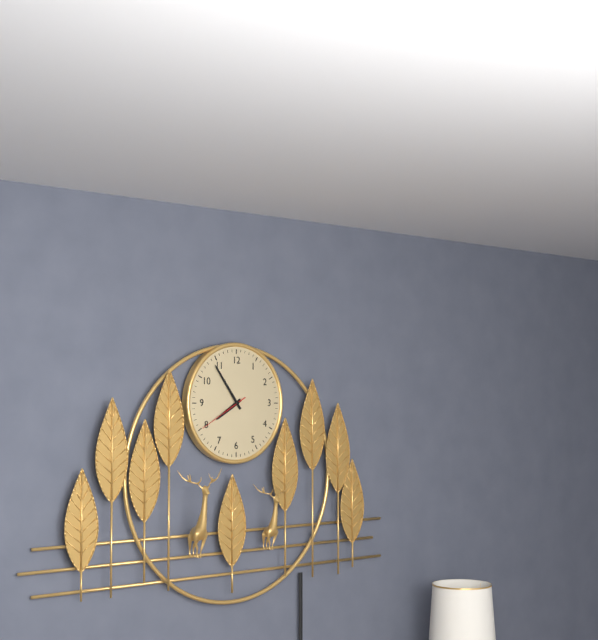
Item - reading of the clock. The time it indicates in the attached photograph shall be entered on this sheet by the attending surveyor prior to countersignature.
7:54:40
